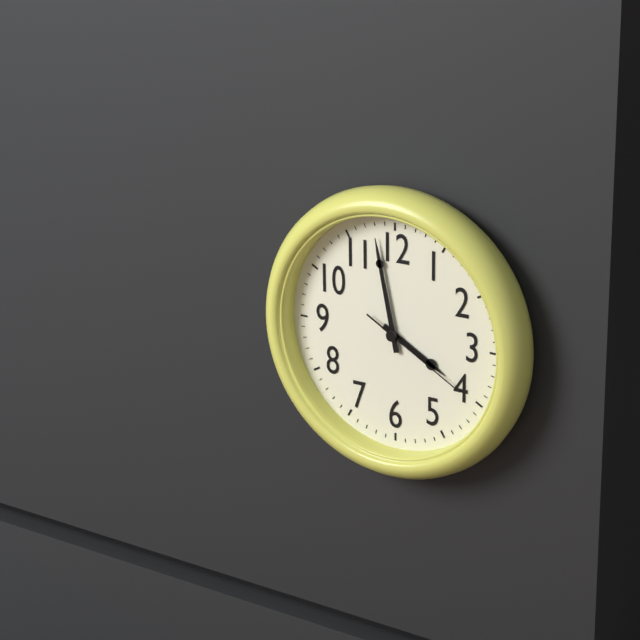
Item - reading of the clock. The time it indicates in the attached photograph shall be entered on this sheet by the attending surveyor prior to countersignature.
3:58:20
